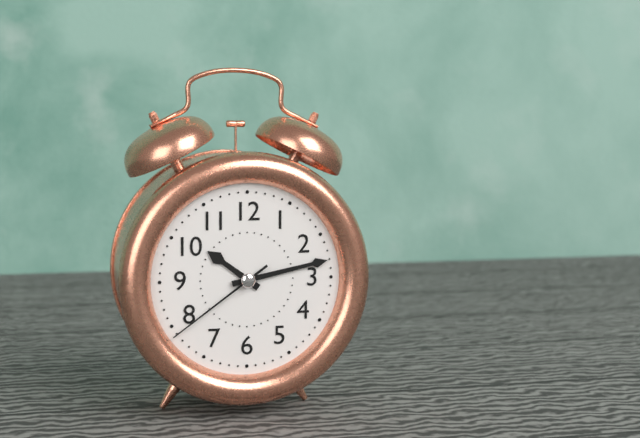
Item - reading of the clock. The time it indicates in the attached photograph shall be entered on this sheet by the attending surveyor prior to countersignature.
10:13:39
